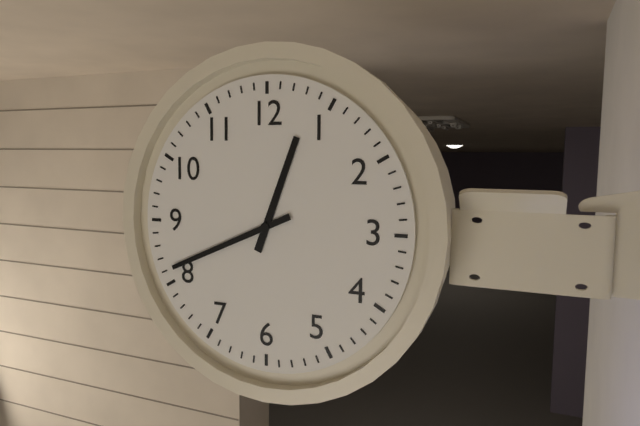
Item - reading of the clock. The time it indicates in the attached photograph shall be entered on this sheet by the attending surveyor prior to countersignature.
12:41
